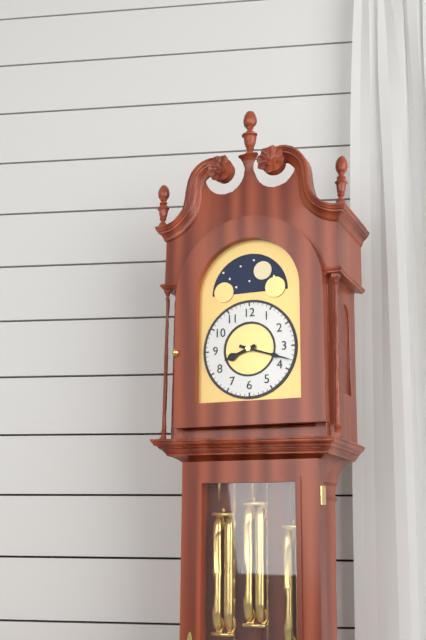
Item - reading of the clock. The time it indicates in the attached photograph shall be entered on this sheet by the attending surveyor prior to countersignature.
8:18
